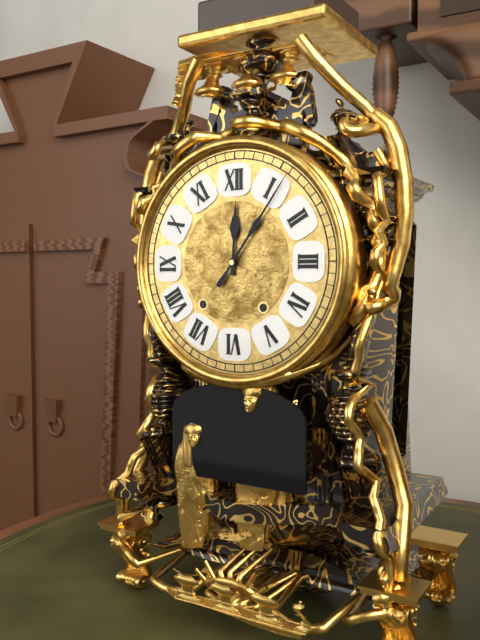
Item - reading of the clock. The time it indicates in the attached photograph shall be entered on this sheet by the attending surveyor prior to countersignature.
12:06
